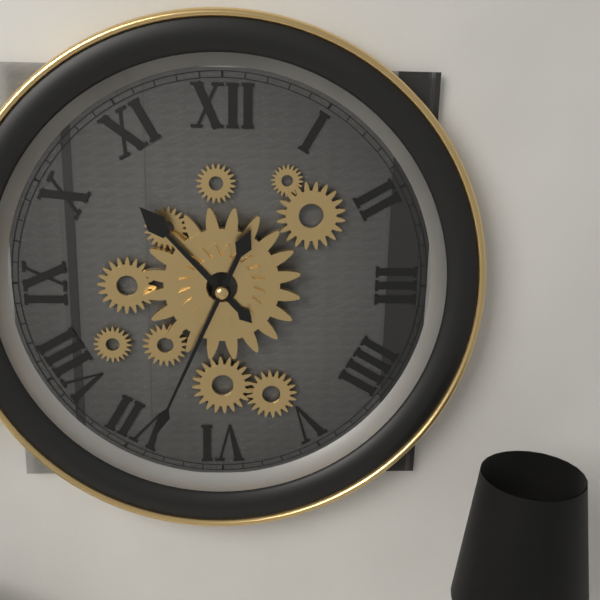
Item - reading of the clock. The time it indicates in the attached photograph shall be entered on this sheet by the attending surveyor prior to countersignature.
10:34
